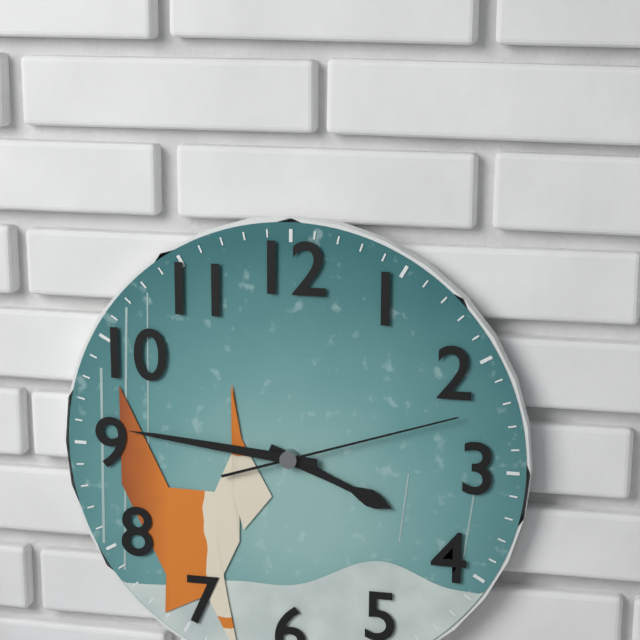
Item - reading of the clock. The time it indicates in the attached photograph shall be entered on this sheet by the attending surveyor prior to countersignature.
3:46:12
